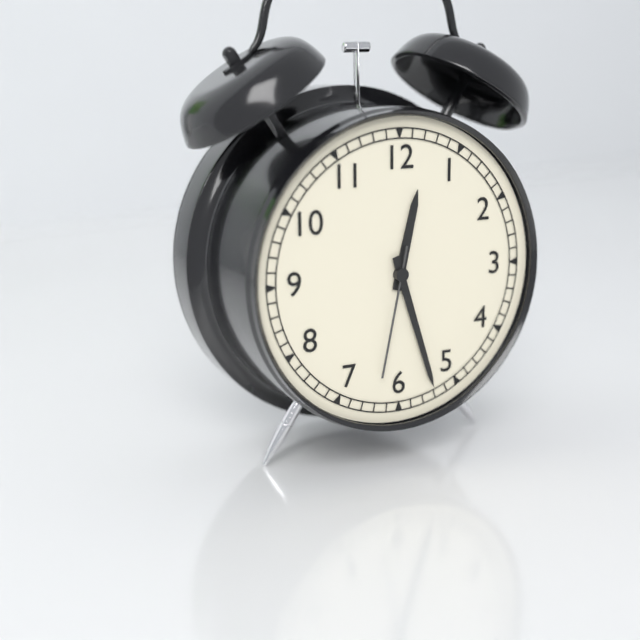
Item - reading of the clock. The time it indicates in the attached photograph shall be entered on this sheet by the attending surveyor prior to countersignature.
12:27:32
